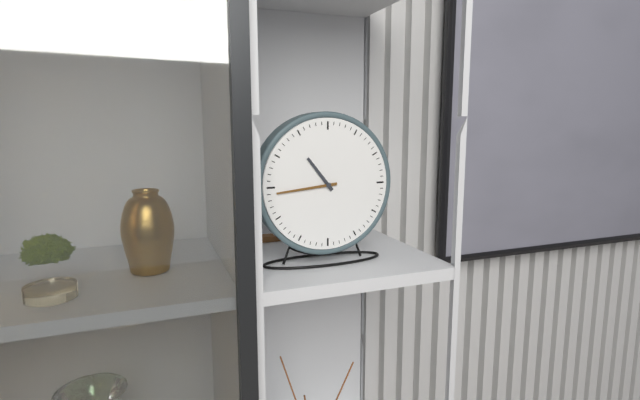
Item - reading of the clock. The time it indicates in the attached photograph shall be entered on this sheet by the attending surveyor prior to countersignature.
10:44
